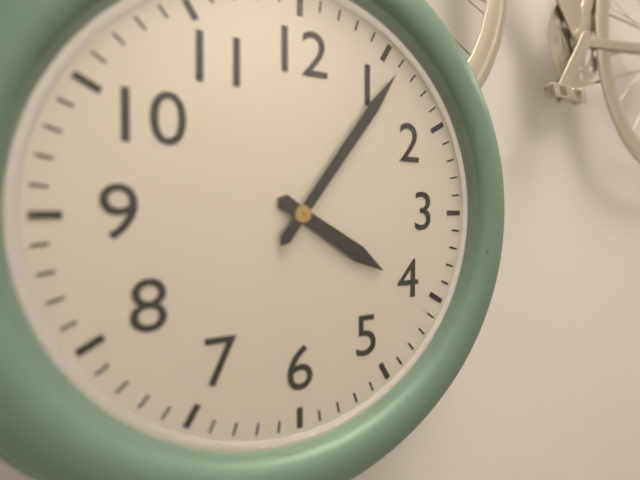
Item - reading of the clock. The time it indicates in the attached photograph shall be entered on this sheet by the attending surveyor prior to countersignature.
4:06
